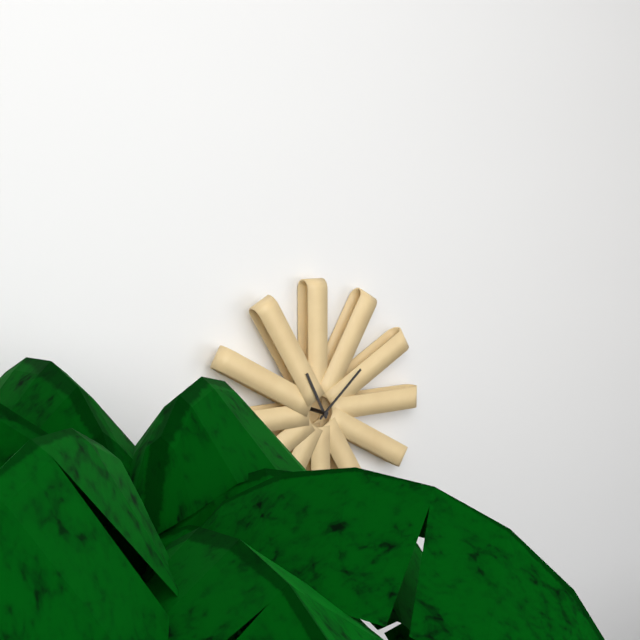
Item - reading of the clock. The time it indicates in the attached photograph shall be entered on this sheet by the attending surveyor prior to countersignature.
11:08
